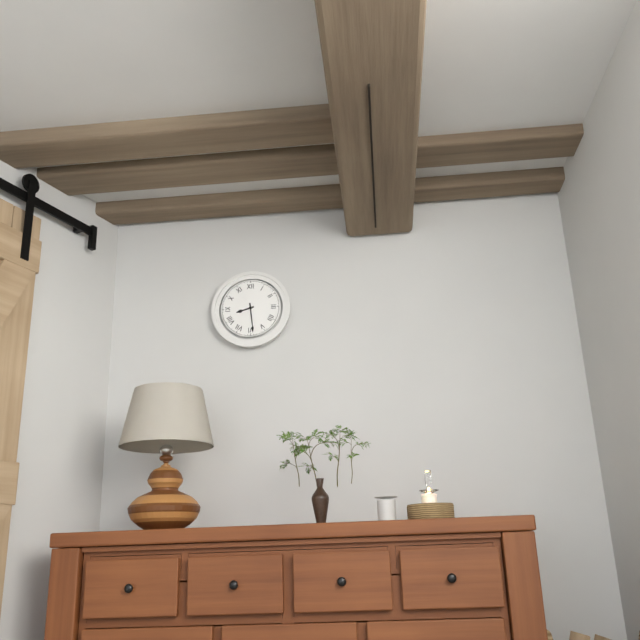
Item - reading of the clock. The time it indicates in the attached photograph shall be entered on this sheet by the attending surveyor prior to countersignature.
8:29
